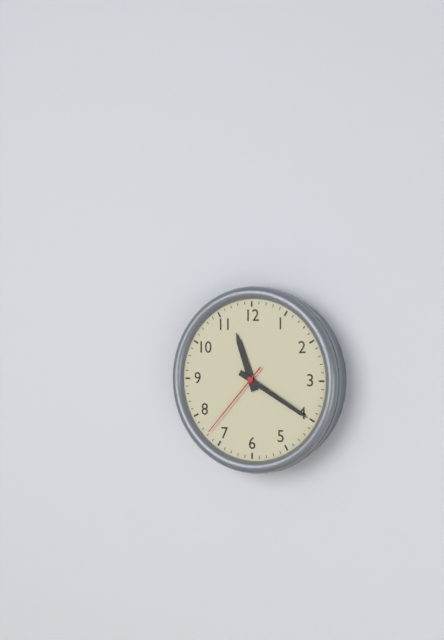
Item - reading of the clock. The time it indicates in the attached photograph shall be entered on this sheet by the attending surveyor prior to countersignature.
11:20:37
